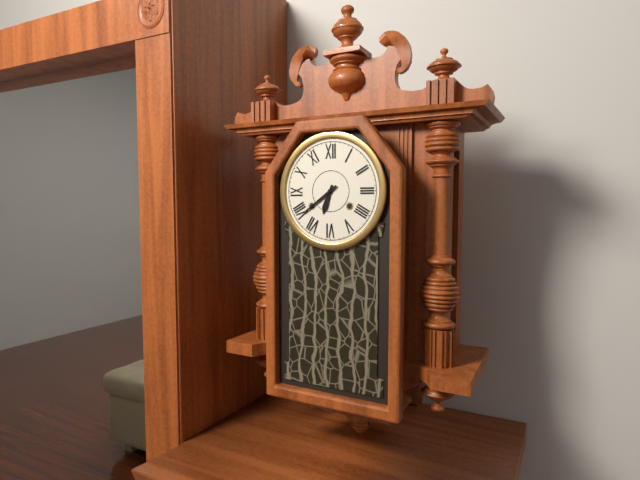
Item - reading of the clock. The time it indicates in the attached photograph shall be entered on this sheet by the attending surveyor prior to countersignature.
6:39
